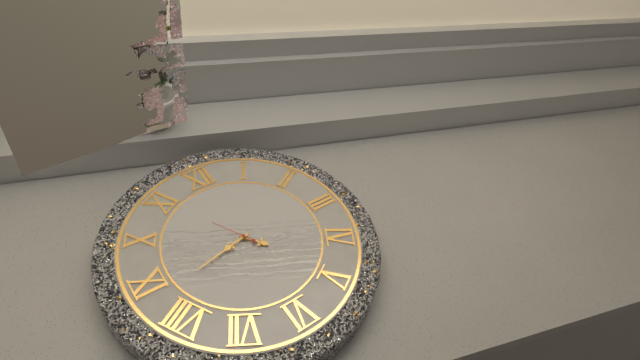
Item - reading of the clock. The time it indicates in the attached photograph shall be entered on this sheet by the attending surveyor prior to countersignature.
4:43
